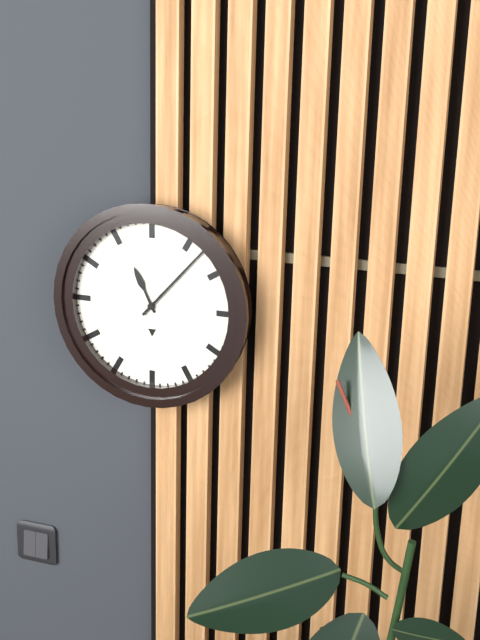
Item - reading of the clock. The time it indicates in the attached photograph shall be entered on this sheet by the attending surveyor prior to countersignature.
11:07
